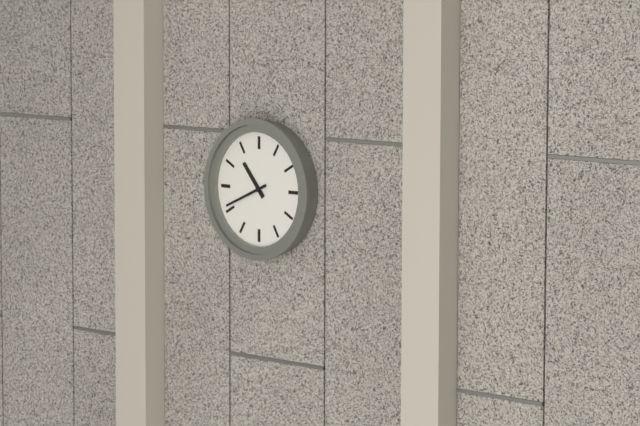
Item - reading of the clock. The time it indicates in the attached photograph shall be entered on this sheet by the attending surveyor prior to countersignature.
10:41
